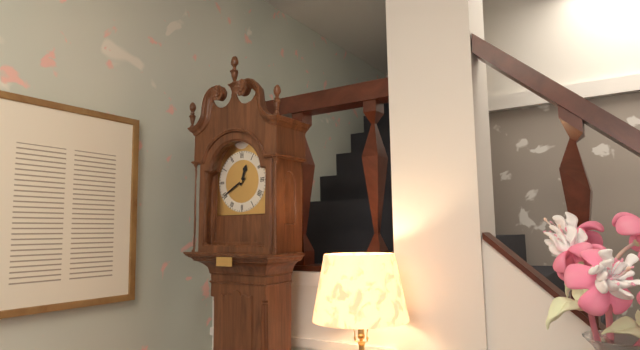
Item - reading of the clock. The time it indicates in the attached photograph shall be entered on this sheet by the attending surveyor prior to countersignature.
12:40
